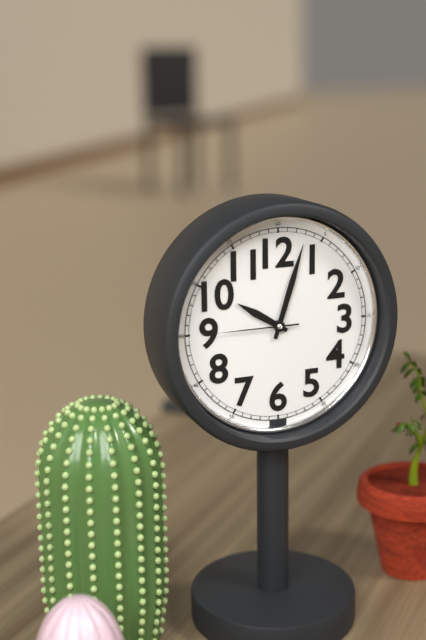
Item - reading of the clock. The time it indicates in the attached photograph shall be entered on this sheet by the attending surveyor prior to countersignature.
10:03:45
